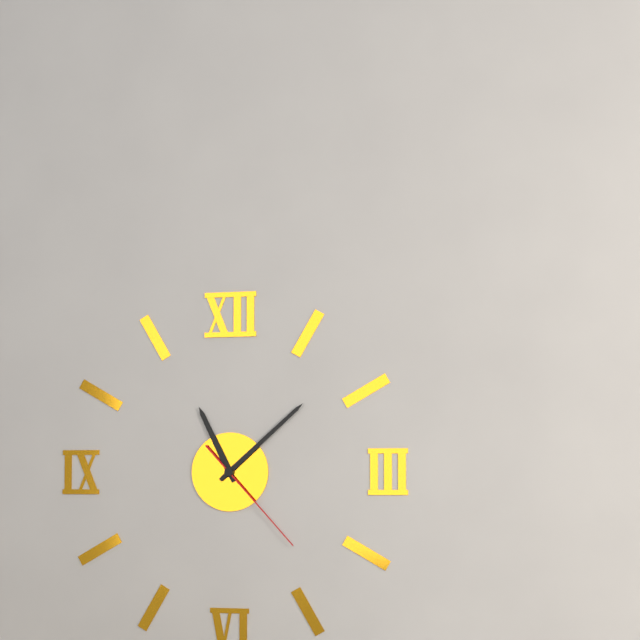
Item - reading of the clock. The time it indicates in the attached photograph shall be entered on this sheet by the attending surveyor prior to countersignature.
11:08:23
